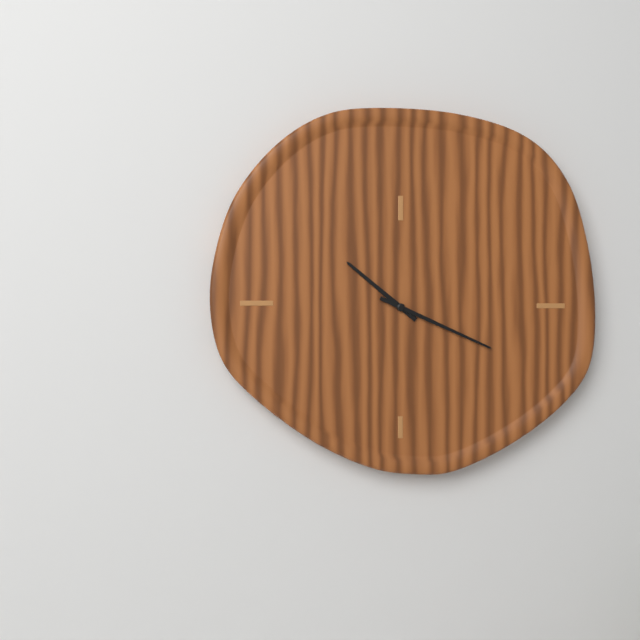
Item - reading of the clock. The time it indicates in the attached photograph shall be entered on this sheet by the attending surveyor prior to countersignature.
10:19
